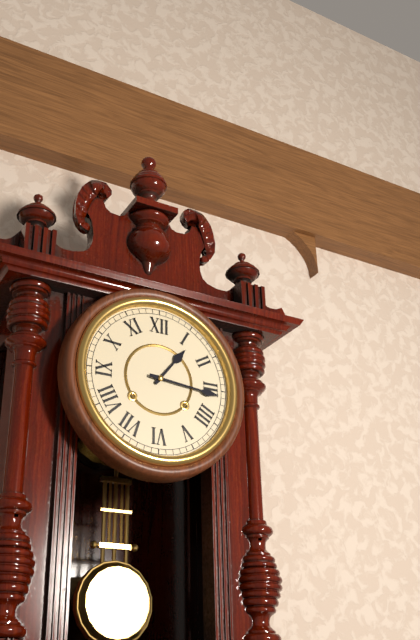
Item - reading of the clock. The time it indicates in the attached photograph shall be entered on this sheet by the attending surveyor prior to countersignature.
1:16
